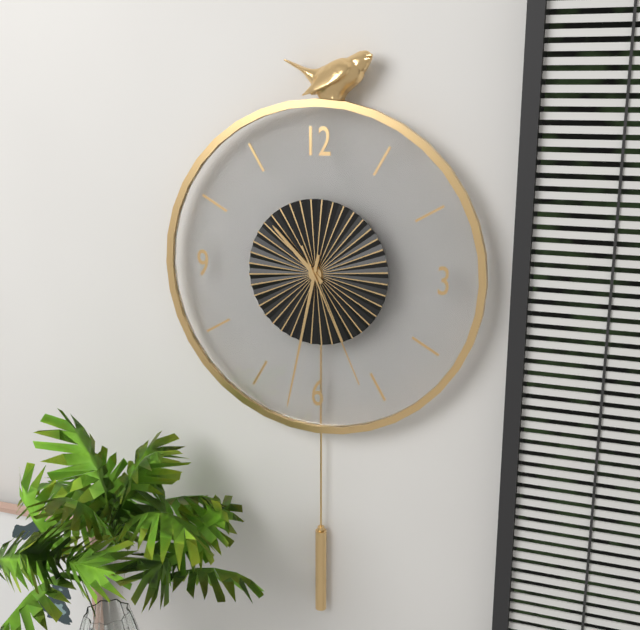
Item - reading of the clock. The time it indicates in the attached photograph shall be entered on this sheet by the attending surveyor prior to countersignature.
10:32:26
